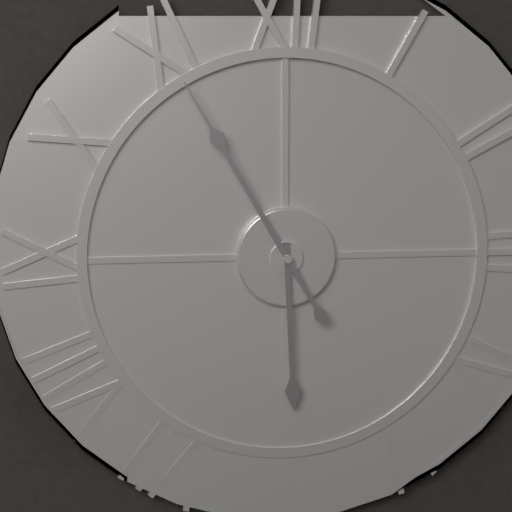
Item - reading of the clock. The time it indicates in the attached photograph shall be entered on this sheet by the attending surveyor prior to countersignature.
5:55
